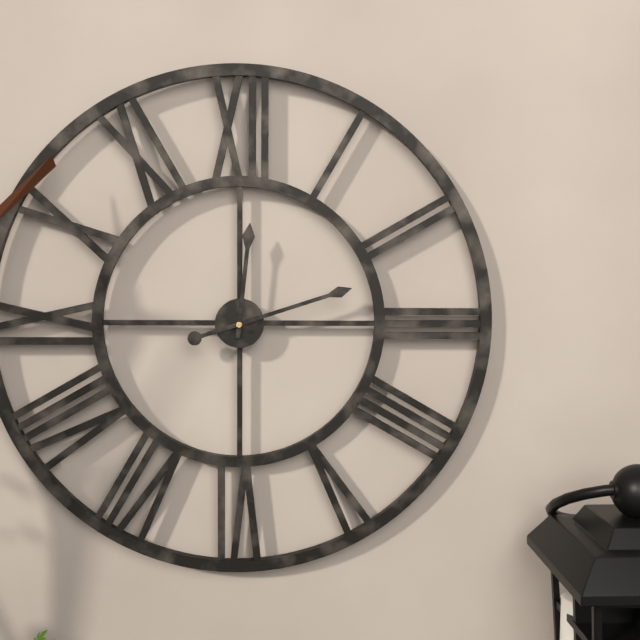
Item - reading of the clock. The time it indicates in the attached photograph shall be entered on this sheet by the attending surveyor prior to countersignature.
12:12
